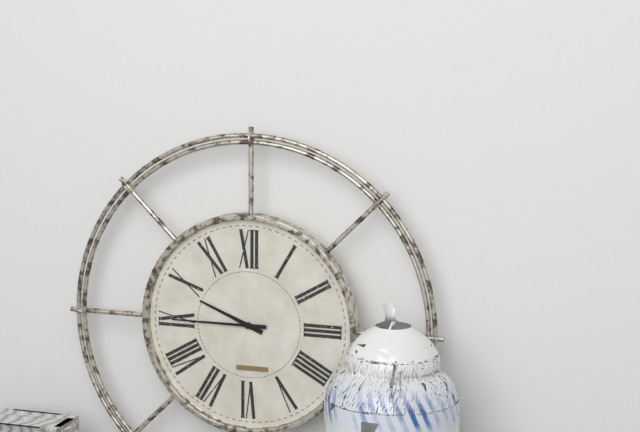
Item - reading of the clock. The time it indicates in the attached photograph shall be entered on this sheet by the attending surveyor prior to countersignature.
9:45
